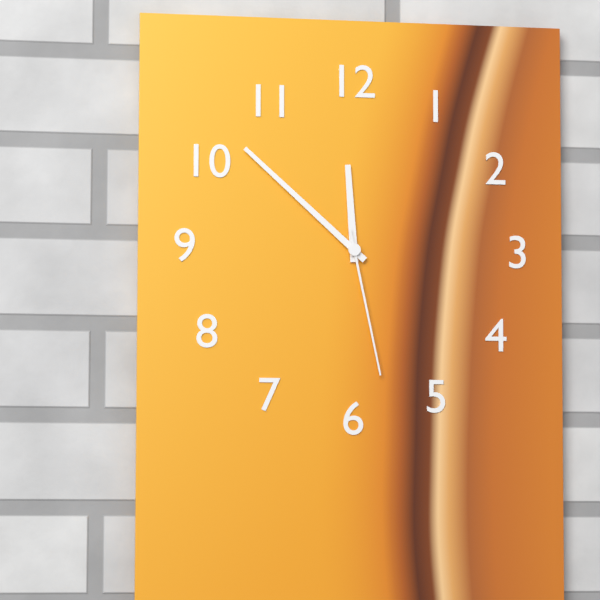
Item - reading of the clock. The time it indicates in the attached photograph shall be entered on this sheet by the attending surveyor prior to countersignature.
11:52:28
